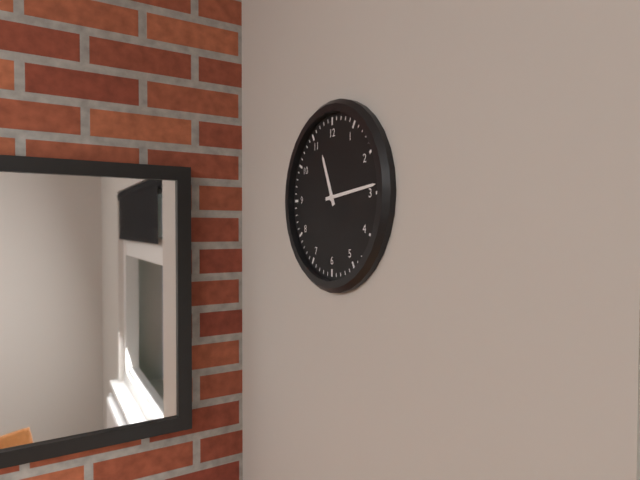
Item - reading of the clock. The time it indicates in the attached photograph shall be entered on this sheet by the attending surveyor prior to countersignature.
11:14
